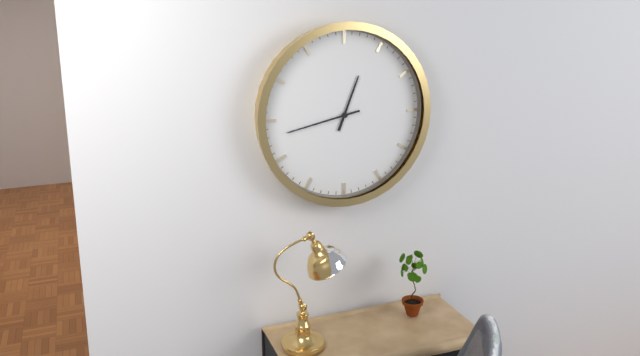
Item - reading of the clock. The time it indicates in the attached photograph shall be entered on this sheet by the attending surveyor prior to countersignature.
12:43
